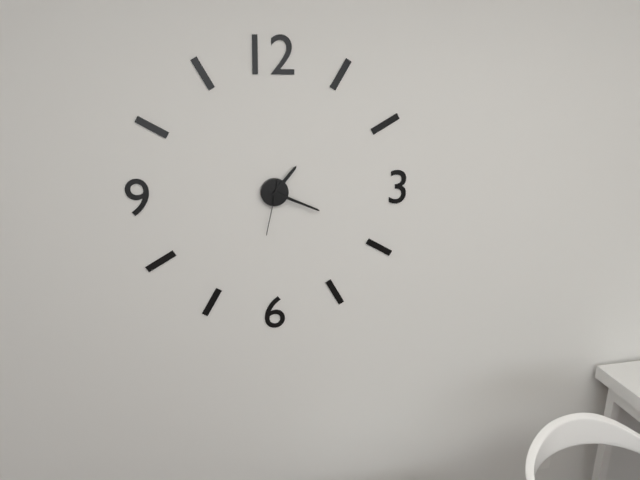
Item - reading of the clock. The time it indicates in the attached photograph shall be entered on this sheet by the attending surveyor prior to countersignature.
1:19:32
